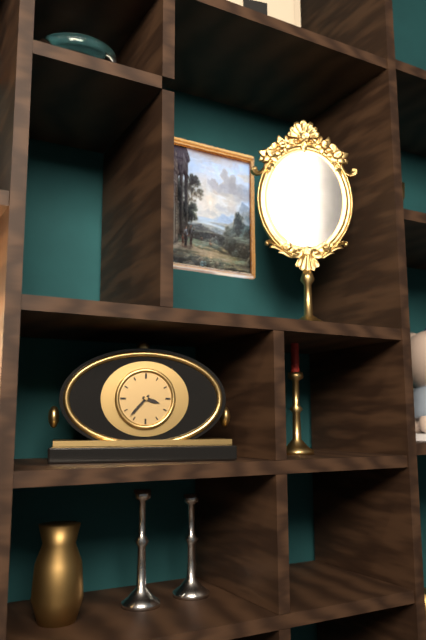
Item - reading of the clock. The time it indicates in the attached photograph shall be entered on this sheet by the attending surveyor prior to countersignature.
3:37
